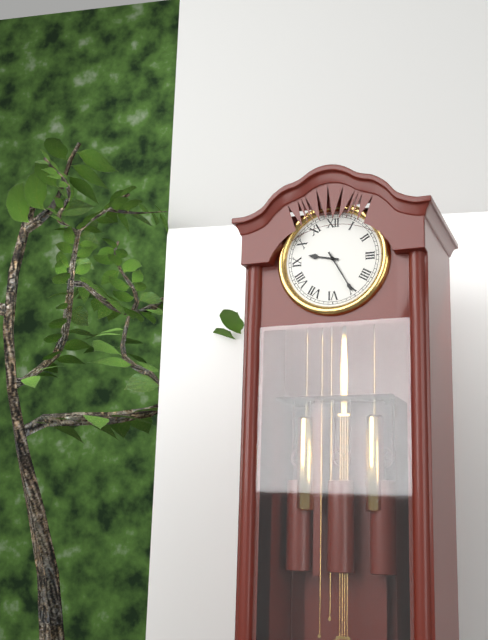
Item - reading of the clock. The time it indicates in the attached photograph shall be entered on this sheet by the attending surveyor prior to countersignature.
9:25
